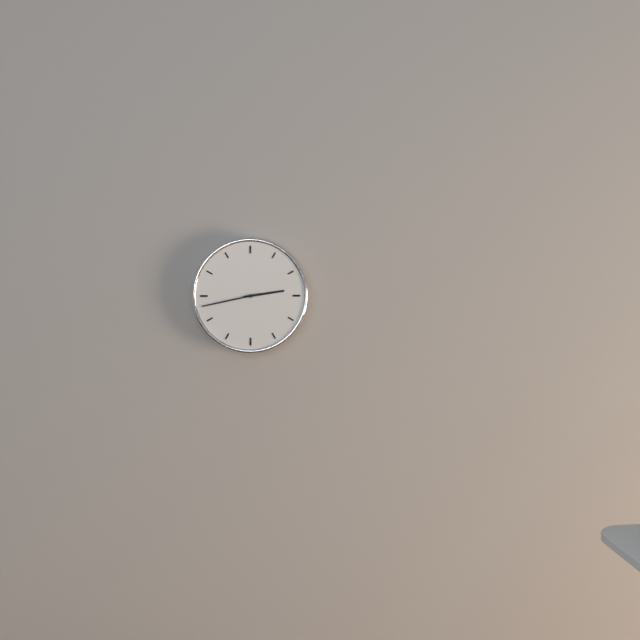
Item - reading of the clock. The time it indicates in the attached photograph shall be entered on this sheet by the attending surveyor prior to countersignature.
2:43
